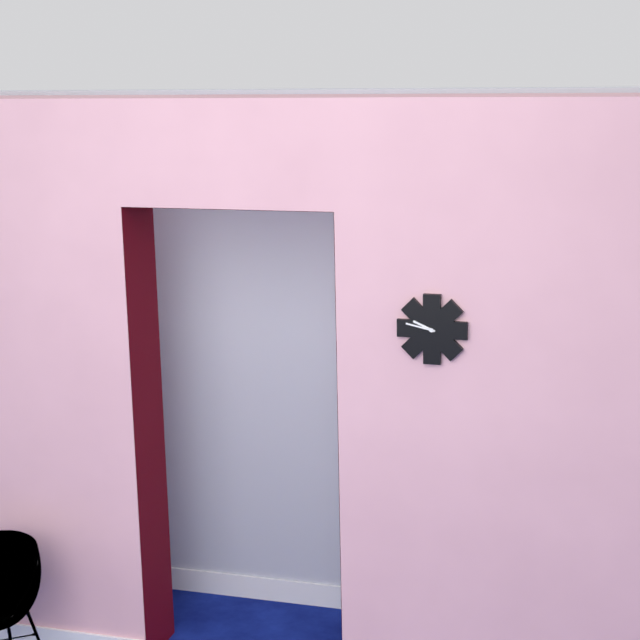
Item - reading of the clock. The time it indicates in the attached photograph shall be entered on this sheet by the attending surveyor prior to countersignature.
9:47
